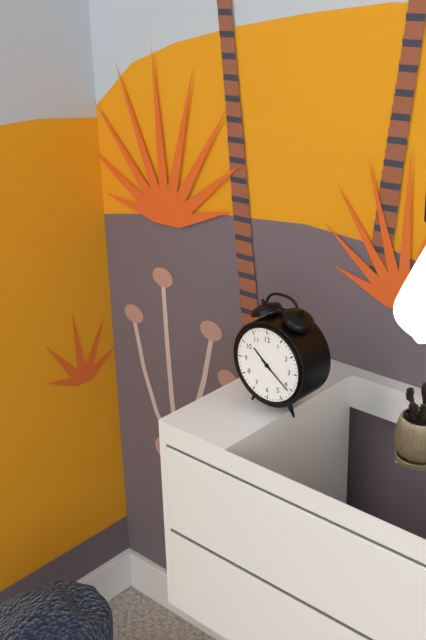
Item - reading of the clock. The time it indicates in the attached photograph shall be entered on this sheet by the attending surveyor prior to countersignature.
10:21
